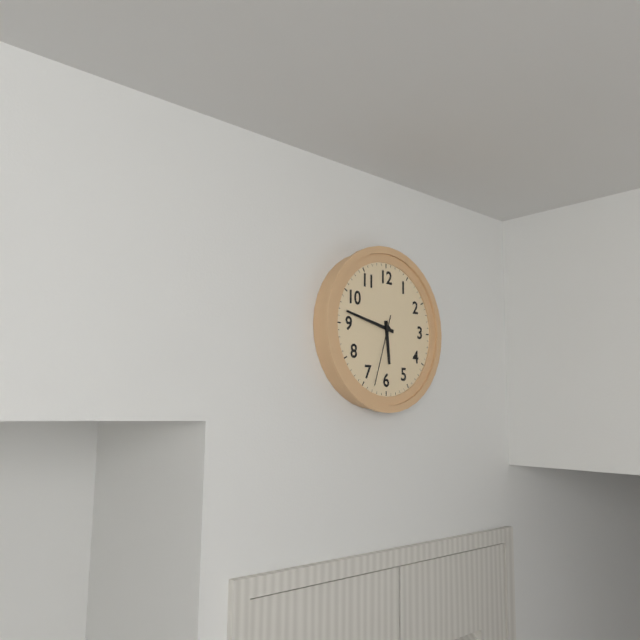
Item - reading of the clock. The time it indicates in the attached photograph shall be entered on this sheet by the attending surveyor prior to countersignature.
5:47:33
